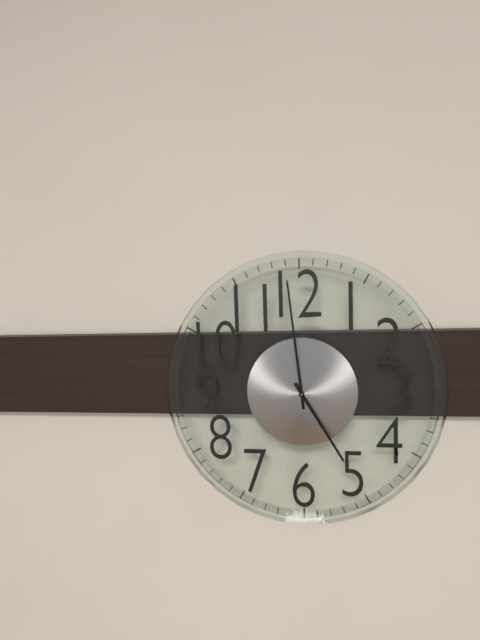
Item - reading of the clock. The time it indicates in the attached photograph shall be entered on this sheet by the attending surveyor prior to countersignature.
4:59
